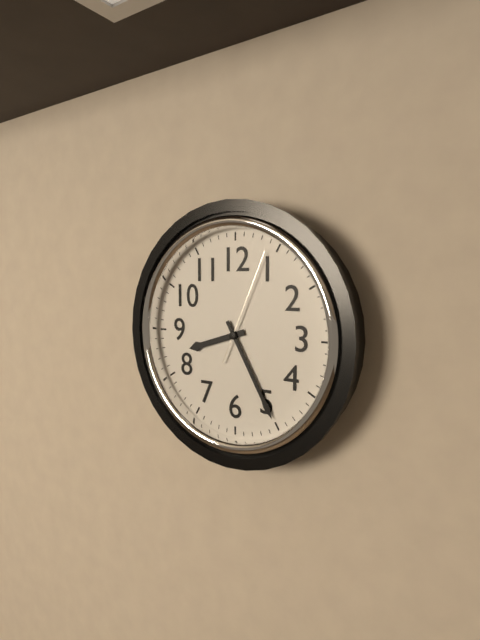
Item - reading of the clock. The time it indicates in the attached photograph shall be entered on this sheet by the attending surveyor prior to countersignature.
8:25:04
